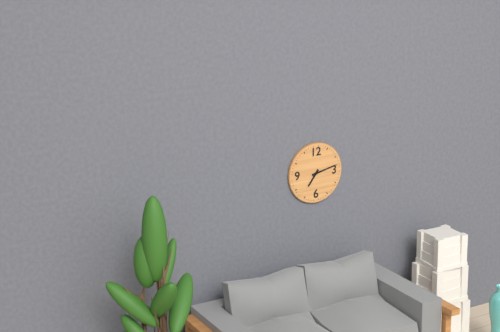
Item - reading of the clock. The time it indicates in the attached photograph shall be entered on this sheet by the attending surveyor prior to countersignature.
7:13
